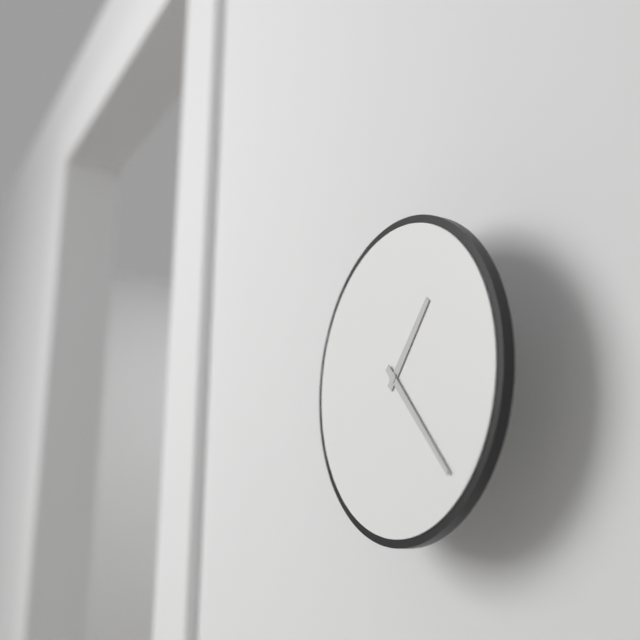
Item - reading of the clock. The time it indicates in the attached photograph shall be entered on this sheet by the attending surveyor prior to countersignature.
1:23
